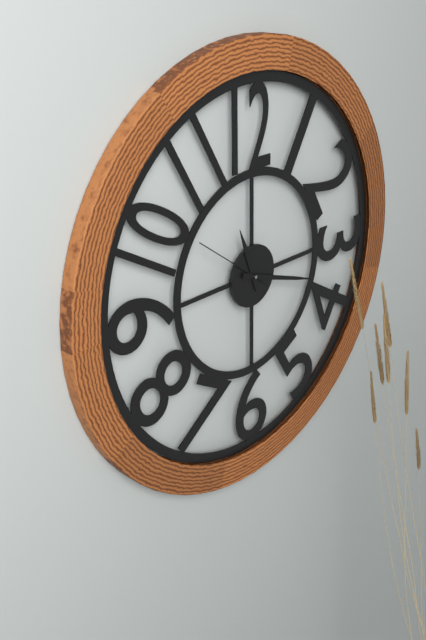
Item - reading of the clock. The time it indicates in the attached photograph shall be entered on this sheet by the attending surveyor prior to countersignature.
11:18:51
